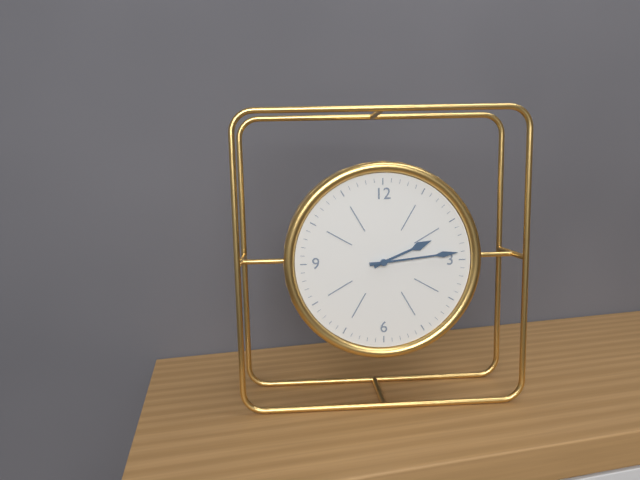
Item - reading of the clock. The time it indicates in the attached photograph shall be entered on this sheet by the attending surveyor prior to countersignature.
2:14
